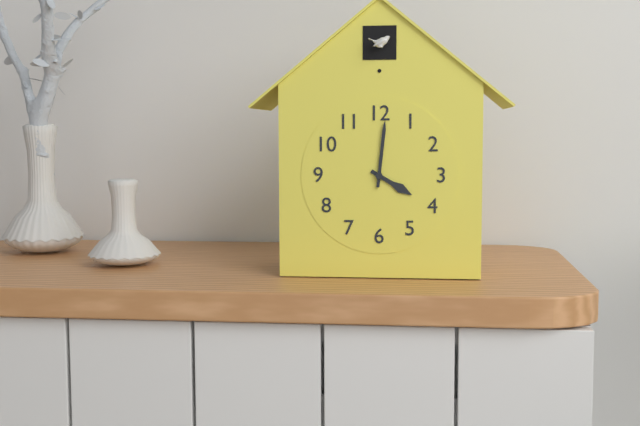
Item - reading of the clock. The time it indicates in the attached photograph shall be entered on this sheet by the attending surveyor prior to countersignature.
4:01
